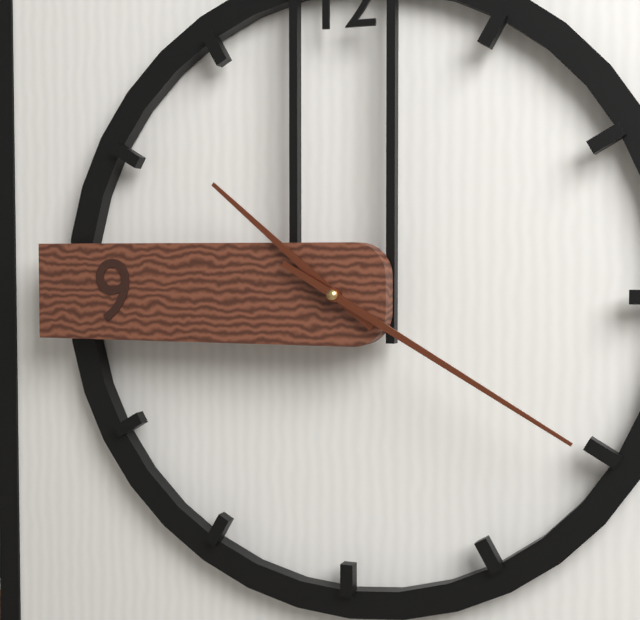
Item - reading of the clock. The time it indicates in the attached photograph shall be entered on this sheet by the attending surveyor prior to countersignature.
10:20
